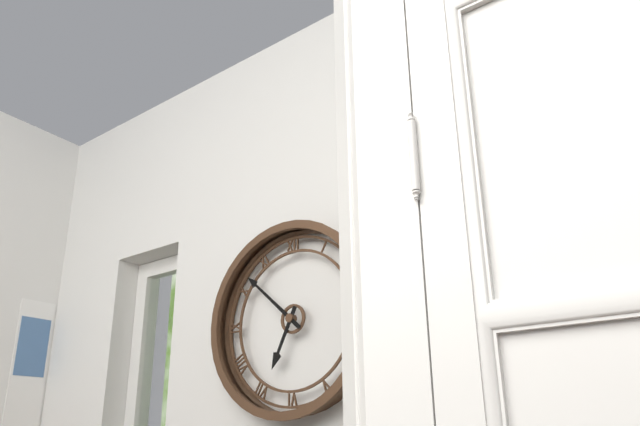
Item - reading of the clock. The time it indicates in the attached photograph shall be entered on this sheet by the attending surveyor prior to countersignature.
6:52
